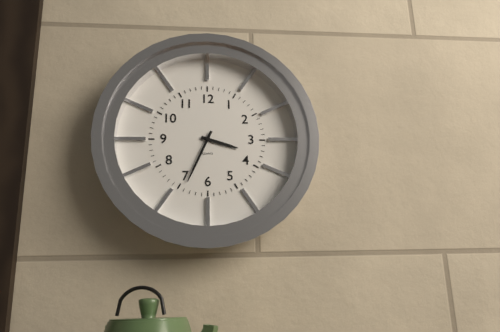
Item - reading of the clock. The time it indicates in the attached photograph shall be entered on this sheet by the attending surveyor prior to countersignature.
3:34
